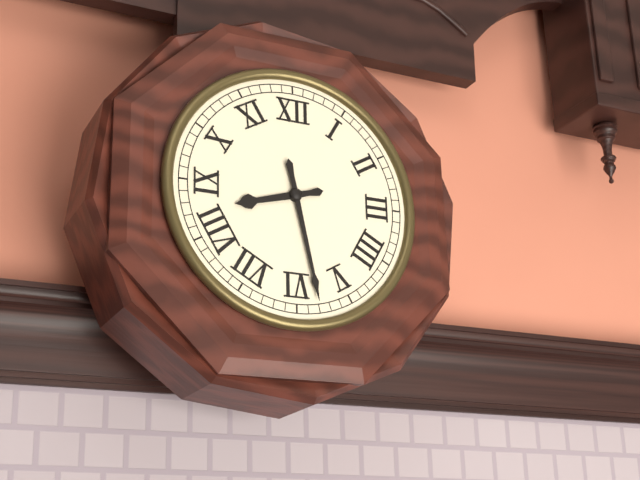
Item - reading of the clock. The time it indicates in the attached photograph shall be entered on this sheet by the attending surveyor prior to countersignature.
8:28
